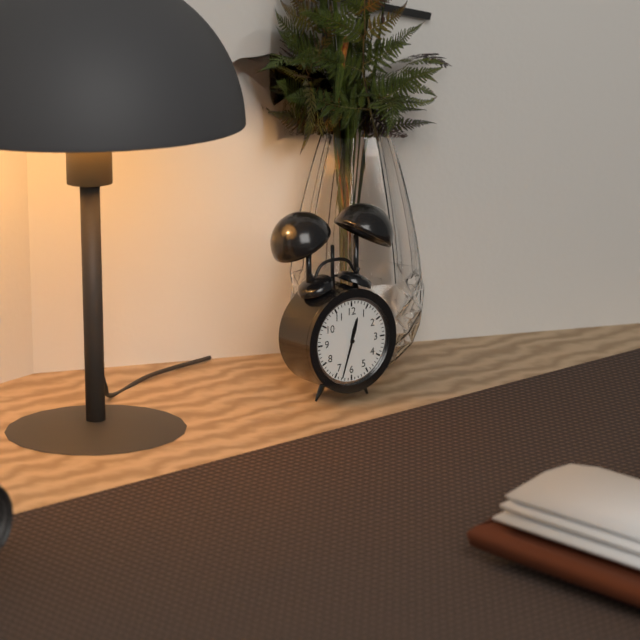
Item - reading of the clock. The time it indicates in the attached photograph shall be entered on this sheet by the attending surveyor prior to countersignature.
12:33
